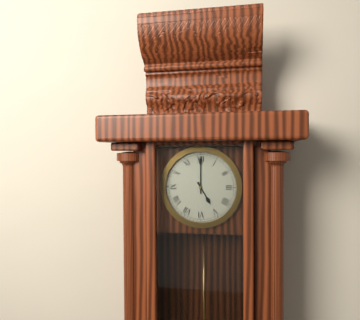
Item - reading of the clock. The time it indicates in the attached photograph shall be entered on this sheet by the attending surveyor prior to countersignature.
5:00
